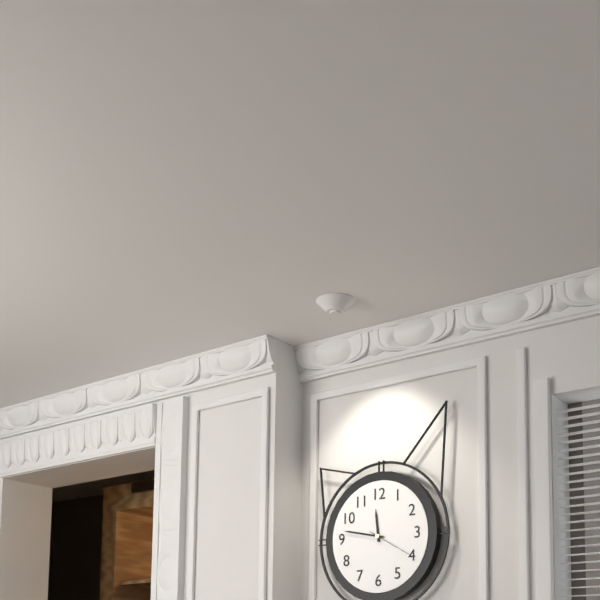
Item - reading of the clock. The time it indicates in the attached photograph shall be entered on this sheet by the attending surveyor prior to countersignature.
11:47
